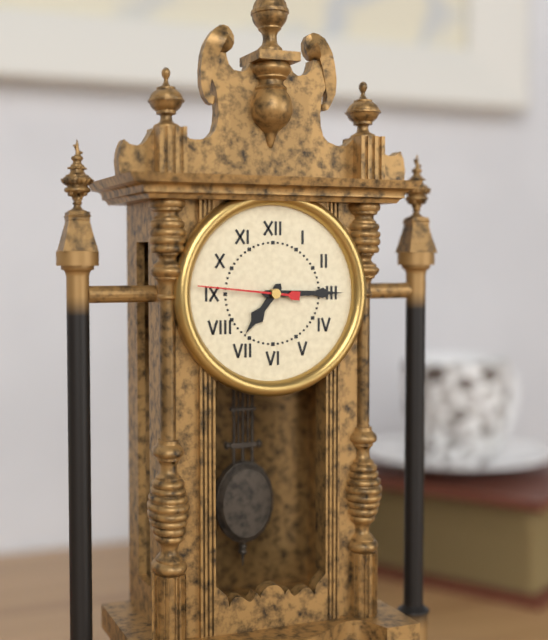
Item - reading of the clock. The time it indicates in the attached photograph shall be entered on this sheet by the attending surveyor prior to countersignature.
7:15:46
